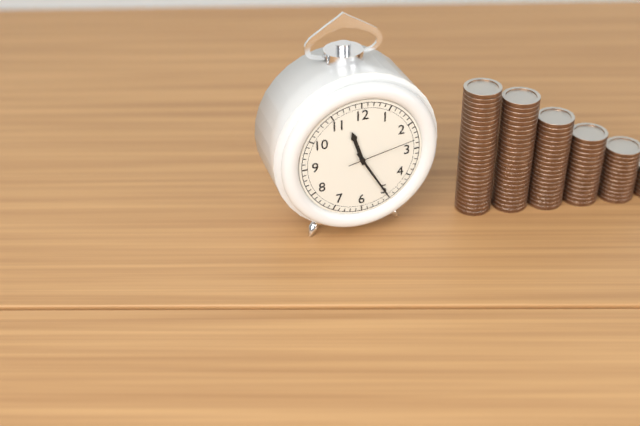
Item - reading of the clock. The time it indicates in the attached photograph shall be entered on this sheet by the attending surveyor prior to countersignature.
11:25:13
